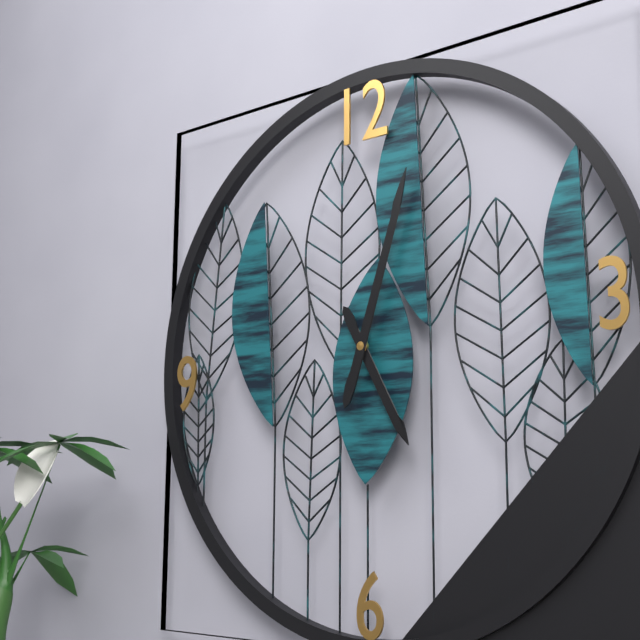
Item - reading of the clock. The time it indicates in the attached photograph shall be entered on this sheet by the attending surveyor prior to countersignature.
5:03
